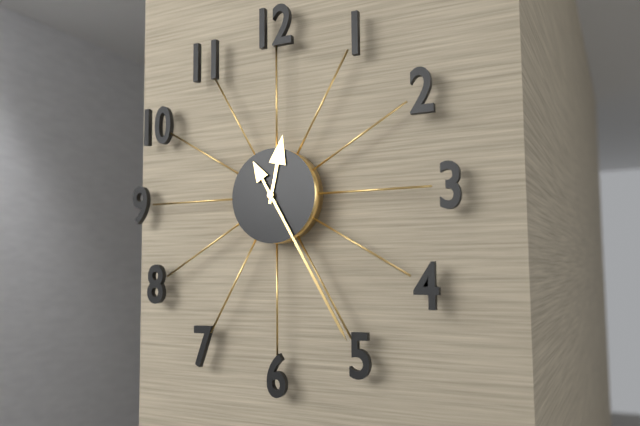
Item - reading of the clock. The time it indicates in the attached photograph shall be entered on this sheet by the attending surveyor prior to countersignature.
12:25
